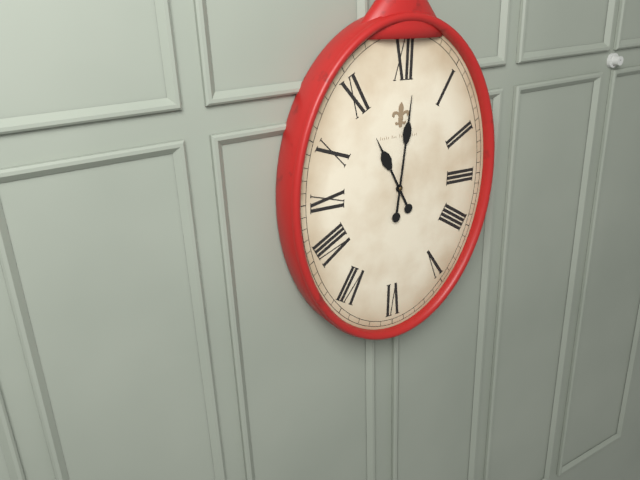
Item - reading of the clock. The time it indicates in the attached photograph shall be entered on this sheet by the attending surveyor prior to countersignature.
11:01
